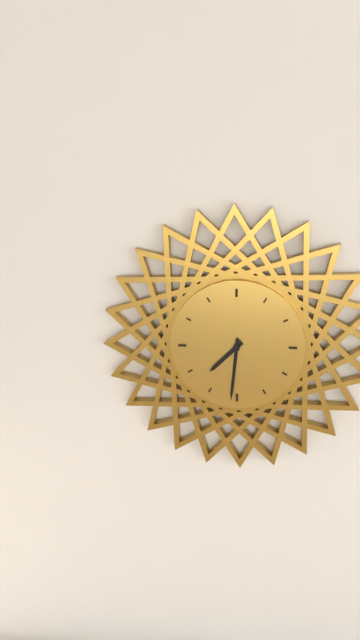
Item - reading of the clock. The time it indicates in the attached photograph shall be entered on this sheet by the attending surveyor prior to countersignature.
7:31
